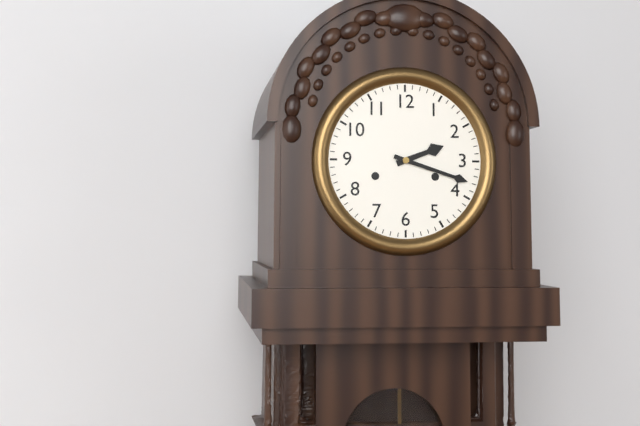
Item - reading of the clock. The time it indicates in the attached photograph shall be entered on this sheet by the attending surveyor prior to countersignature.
2:18
